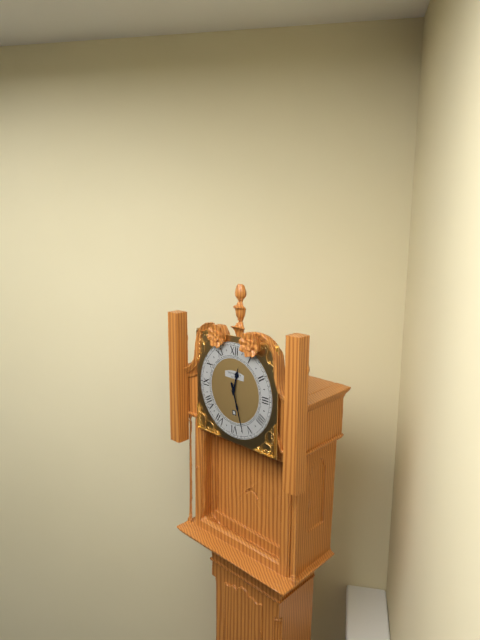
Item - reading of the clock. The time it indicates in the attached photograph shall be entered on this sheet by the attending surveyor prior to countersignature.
12:27
